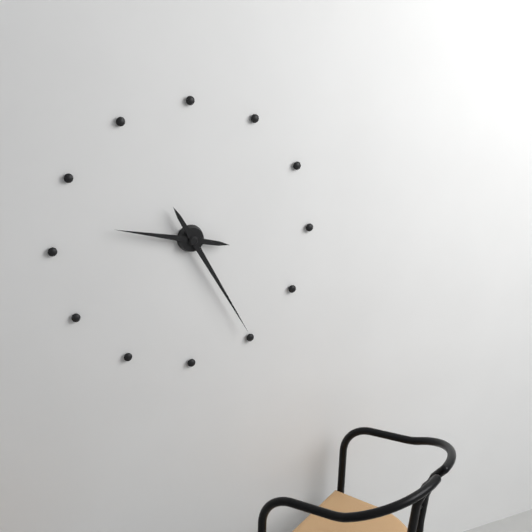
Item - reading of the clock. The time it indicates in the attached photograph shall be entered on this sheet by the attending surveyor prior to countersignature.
9:25
